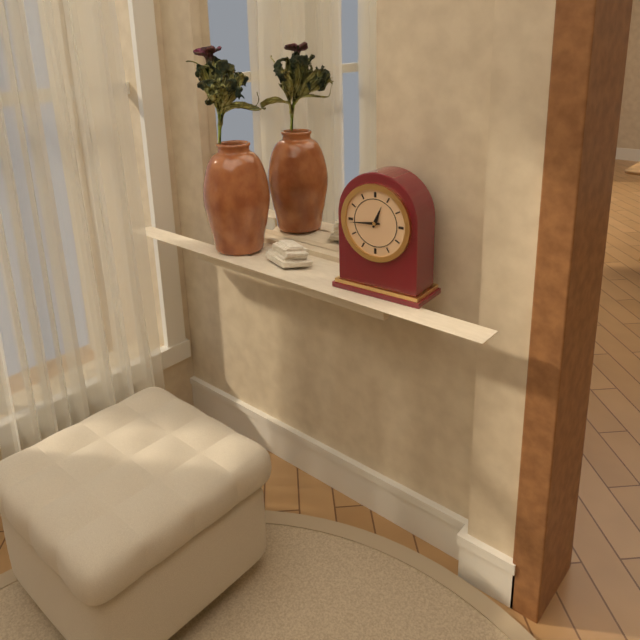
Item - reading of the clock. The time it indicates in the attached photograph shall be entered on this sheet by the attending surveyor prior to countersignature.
12:44
